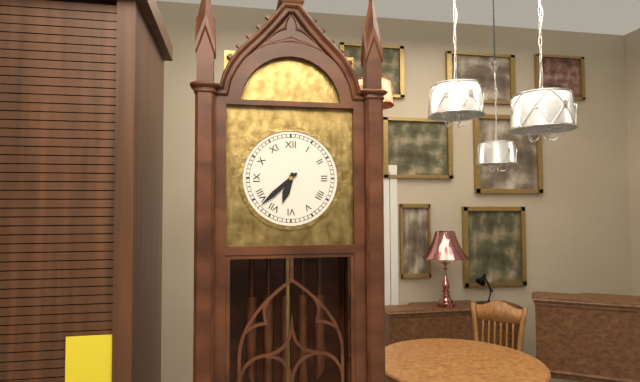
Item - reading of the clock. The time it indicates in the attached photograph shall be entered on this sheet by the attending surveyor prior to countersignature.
6:38
